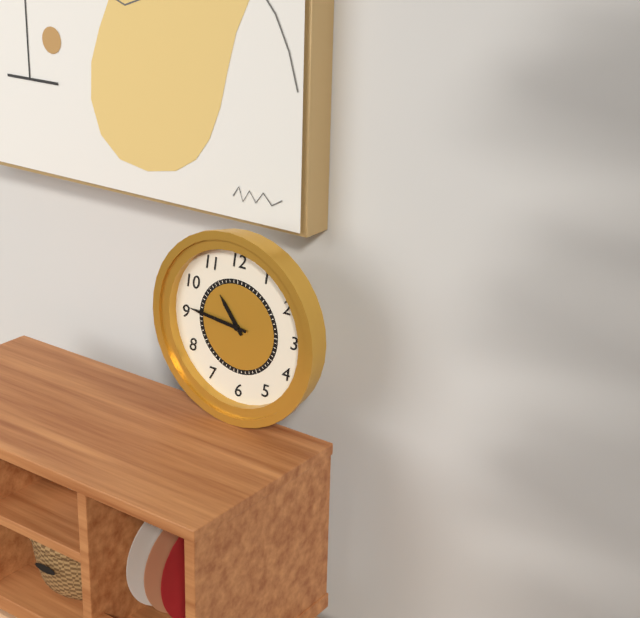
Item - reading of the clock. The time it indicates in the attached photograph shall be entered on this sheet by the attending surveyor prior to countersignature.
10:46
